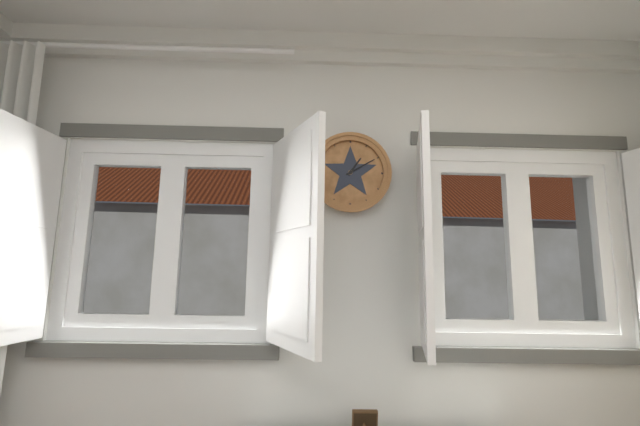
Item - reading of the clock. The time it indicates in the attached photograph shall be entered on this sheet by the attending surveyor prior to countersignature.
1:10
